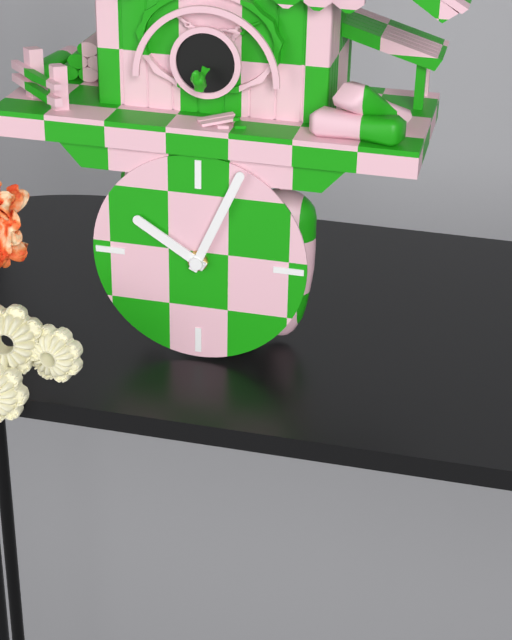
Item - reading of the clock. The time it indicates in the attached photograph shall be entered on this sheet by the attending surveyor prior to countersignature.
10:04
